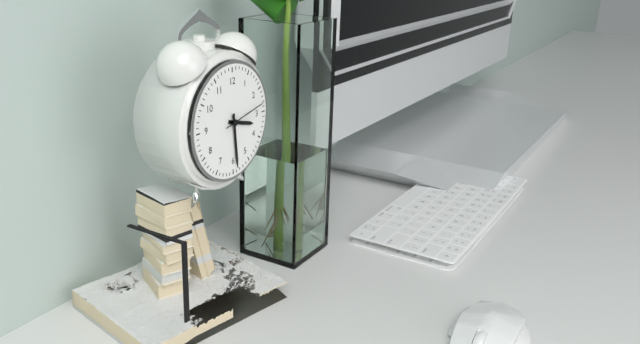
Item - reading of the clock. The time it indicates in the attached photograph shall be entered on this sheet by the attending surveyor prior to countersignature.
3:29
